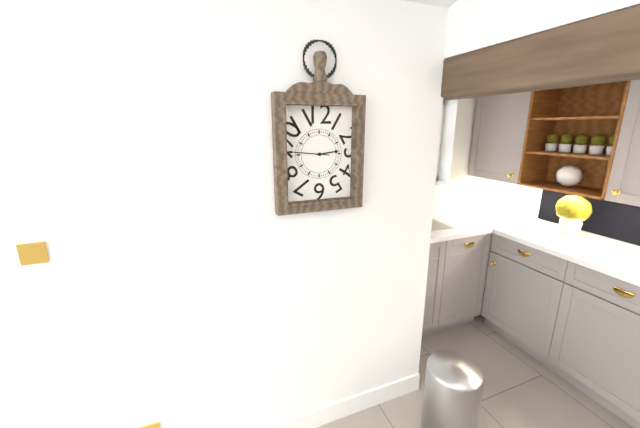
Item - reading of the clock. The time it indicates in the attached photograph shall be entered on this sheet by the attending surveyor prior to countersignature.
2:46
